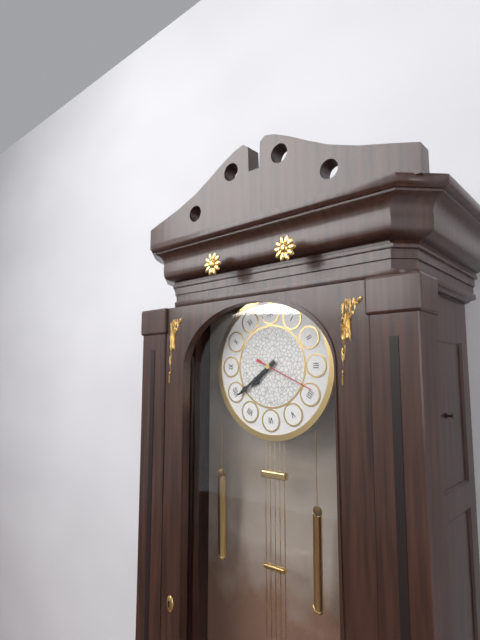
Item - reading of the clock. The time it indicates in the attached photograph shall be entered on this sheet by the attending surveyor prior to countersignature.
7:39:19
